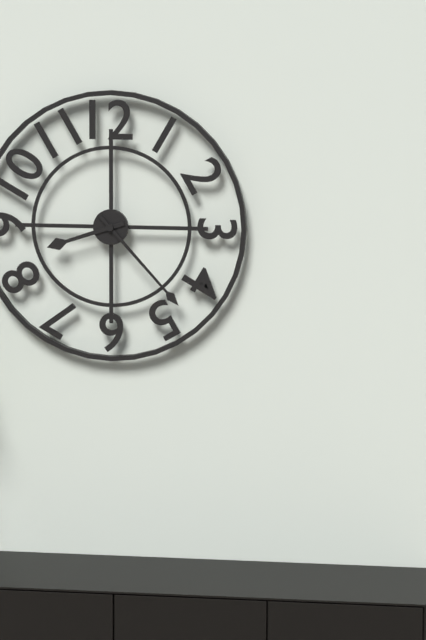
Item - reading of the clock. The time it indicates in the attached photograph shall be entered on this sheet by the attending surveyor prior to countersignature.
8:23
